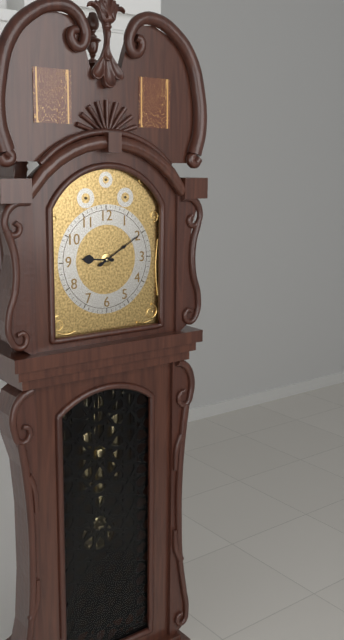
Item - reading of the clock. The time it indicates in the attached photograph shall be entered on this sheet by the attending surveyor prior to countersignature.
9:10
